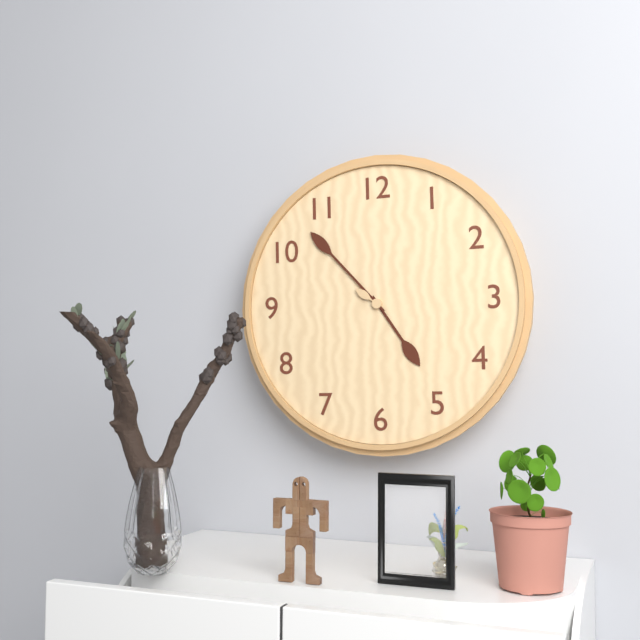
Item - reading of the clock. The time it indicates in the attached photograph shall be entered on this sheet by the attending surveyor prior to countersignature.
4:53:51
